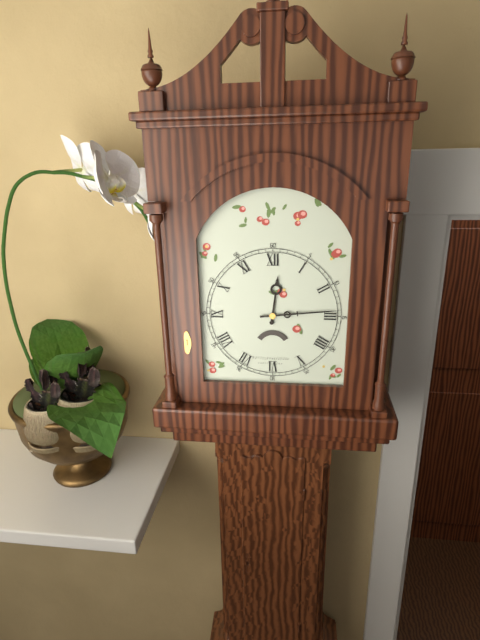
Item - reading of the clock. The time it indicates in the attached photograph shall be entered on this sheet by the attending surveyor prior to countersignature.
12:14
